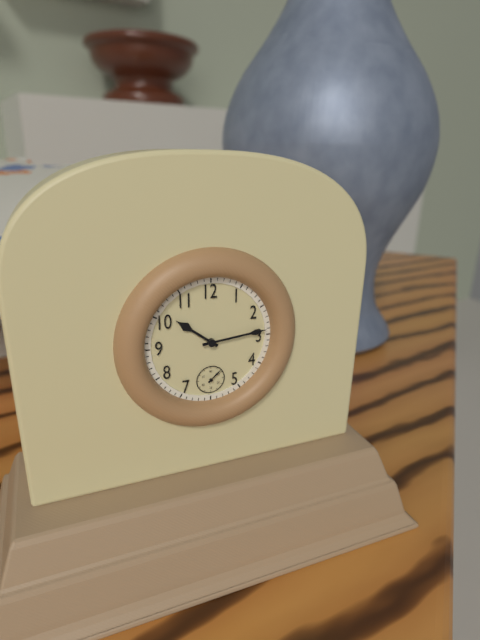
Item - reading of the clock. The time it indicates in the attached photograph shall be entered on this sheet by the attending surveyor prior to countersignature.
10:14
